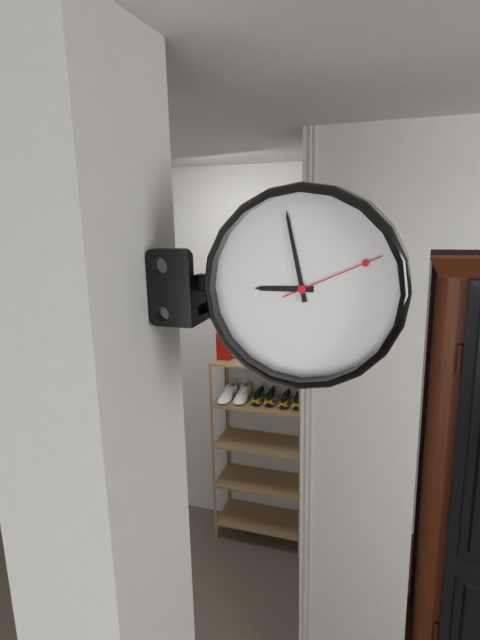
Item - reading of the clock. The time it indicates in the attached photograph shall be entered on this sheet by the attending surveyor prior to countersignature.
8:58:11
